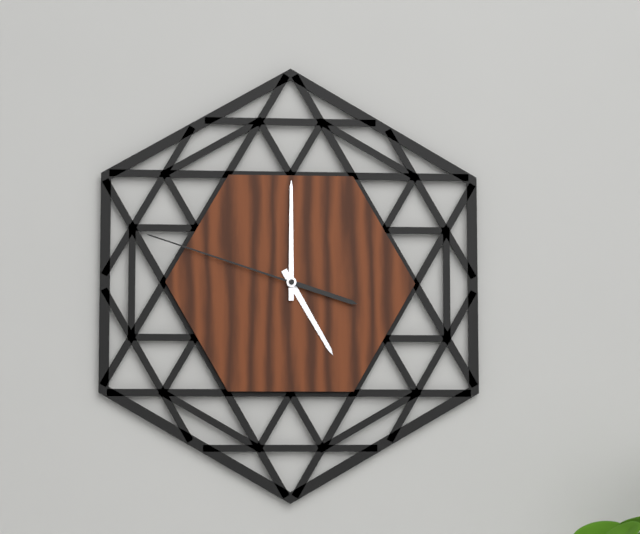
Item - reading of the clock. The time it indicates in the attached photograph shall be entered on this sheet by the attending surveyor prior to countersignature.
5:00:48
